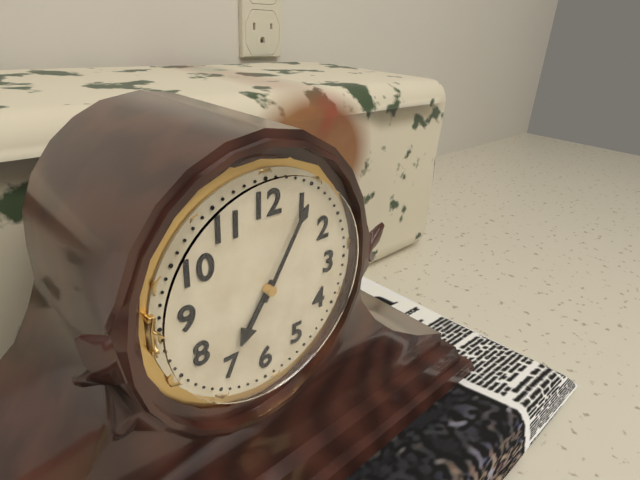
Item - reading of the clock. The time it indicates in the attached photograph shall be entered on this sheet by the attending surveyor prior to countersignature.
7:05
